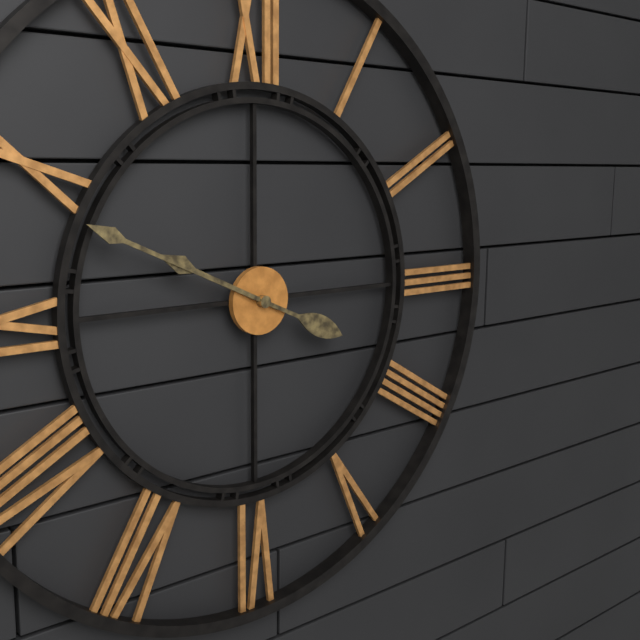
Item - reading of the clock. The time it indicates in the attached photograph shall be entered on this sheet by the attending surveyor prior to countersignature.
9:49
